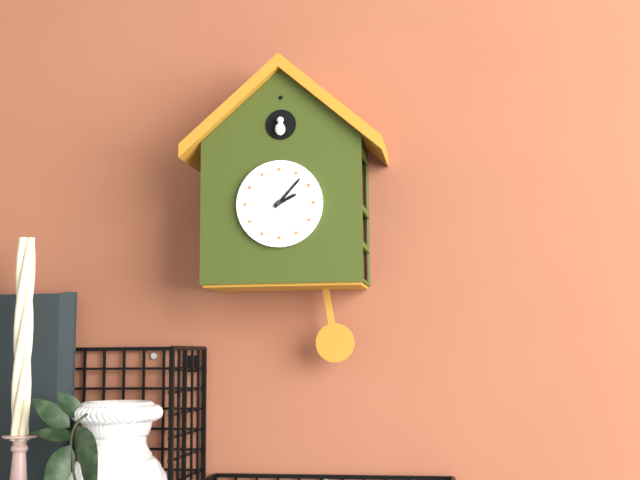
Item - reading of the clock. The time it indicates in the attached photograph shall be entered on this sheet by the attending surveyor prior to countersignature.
2:07
